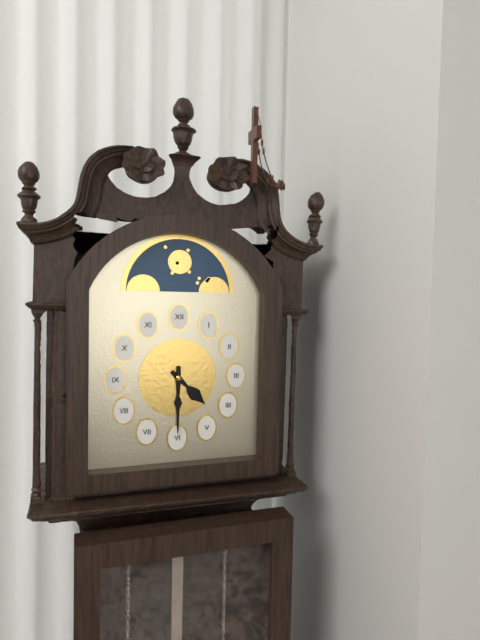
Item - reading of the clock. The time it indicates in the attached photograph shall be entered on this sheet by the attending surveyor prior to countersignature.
4:30
